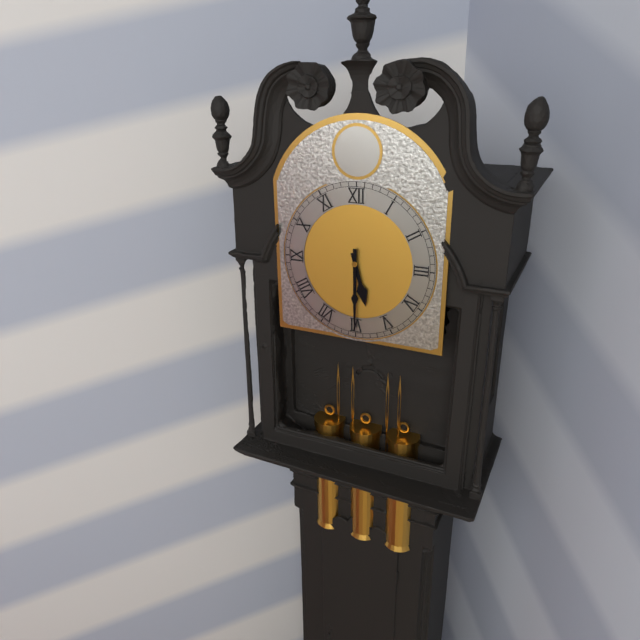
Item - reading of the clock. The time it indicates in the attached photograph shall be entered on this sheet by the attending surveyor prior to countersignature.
5:30
